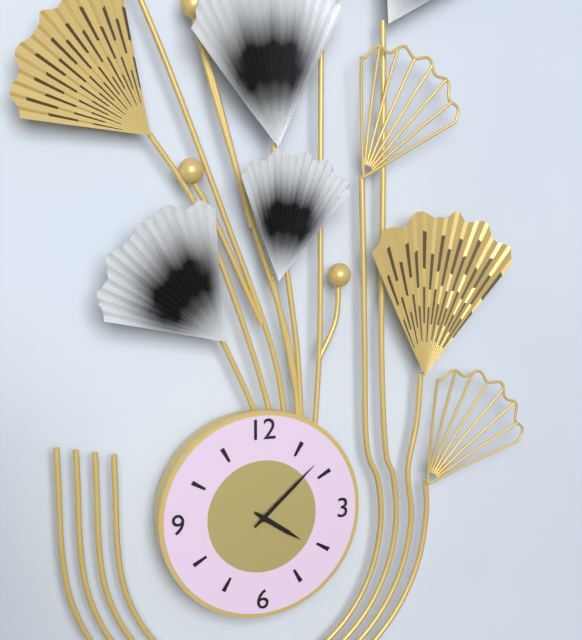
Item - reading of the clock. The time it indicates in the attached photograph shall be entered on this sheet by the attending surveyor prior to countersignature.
4:08
